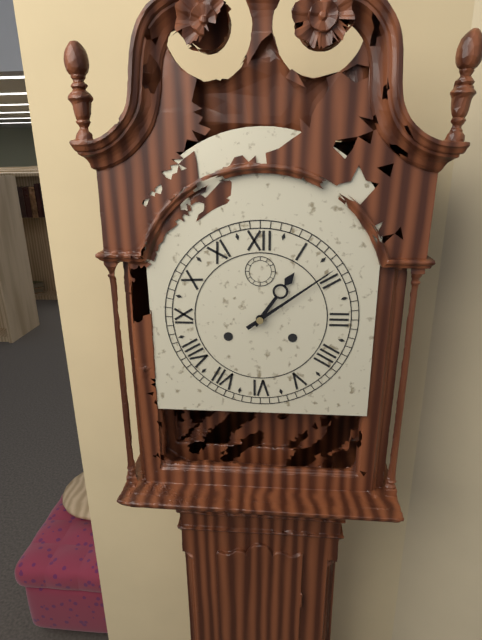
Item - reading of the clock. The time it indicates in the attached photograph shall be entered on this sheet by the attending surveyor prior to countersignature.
1:09
